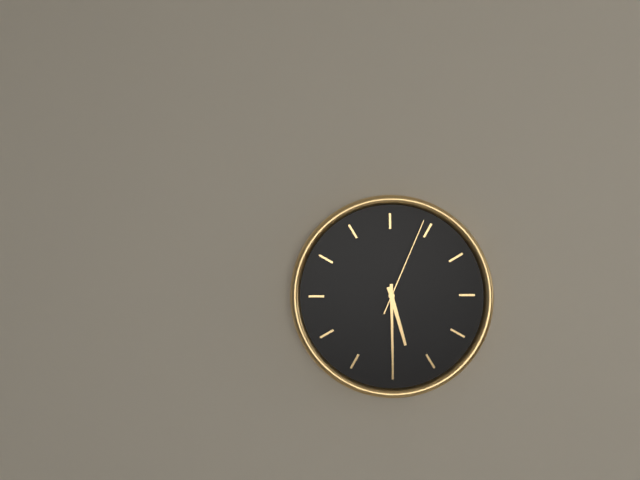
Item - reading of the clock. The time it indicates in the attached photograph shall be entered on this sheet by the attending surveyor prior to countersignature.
5:30:04
